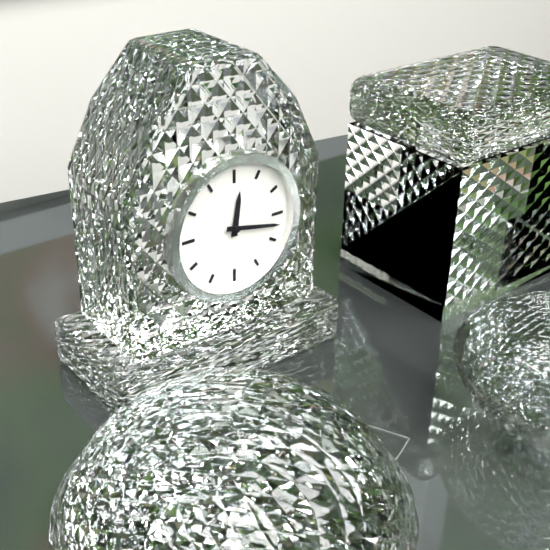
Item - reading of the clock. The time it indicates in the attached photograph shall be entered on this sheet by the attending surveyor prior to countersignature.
12:17
